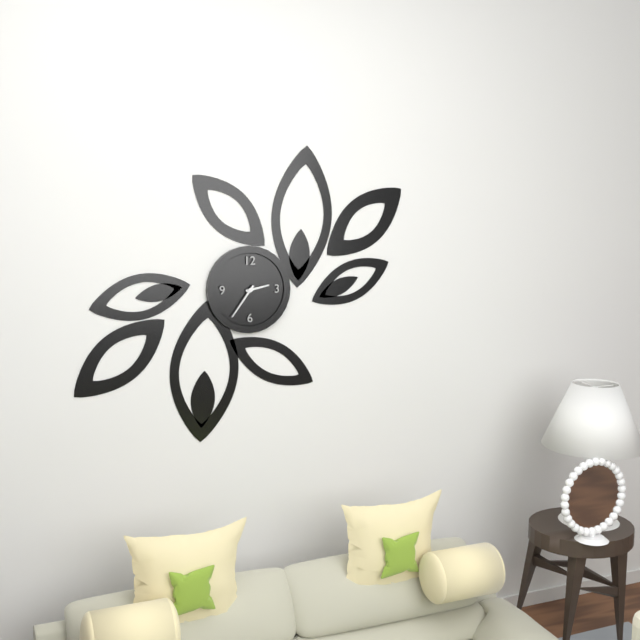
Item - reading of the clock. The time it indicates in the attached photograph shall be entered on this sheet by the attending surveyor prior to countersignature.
2:36
